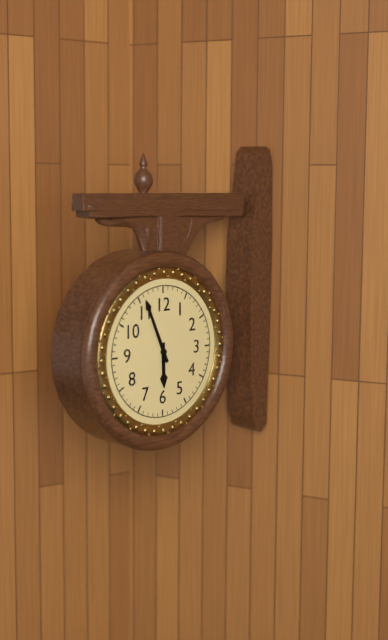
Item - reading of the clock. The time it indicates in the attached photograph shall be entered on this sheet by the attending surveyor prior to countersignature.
5:56
